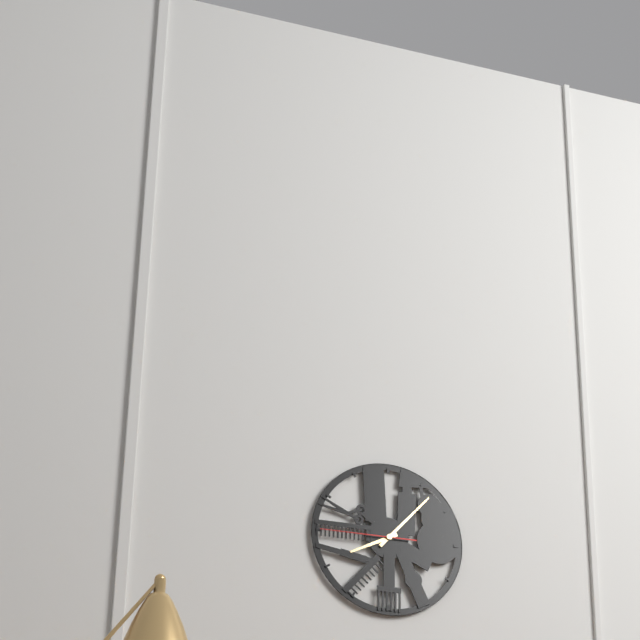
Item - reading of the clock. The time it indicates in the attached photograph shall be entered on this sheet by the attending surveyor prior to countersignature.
8:07:45
